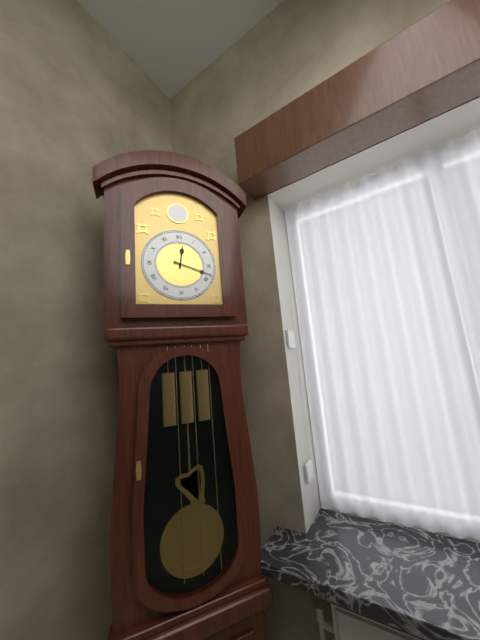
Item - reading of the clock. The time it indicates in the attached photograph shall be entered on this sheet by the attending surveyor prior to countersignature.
12:18
